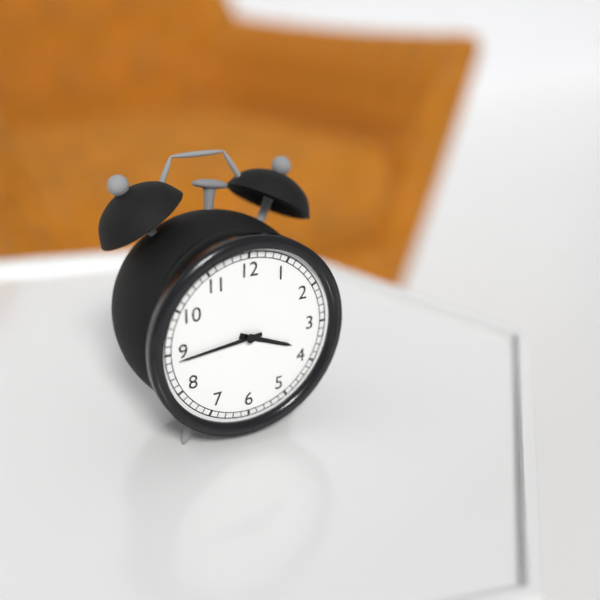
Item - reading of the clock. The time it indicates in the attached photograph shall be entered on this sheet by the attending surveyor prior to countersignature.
3:44
